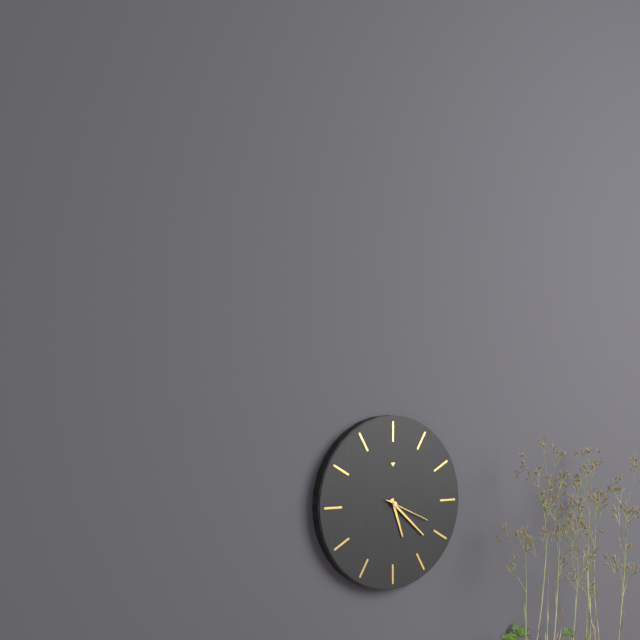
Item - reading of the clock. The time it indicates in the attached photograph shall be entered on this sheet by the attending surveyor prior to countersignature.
5:22
